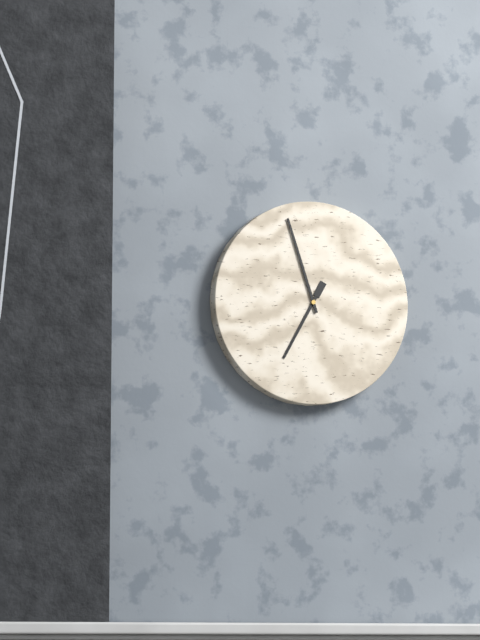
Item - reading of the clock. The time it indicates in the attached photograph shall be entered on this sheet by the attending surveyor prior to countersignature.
6:57
